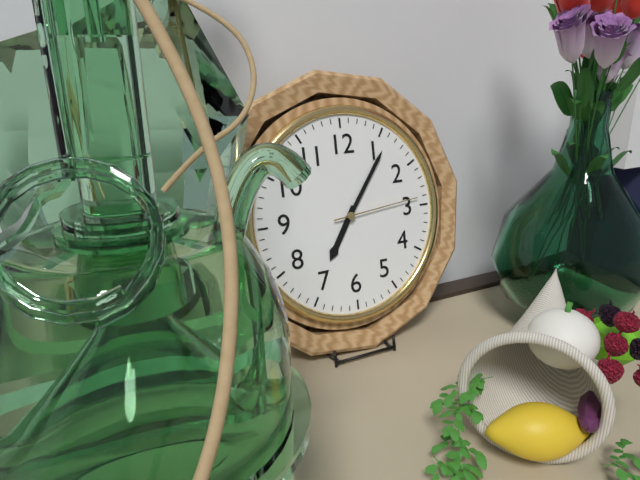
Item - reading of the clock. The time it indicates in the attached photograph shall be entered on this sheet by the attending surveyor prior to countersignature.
7:06:14
